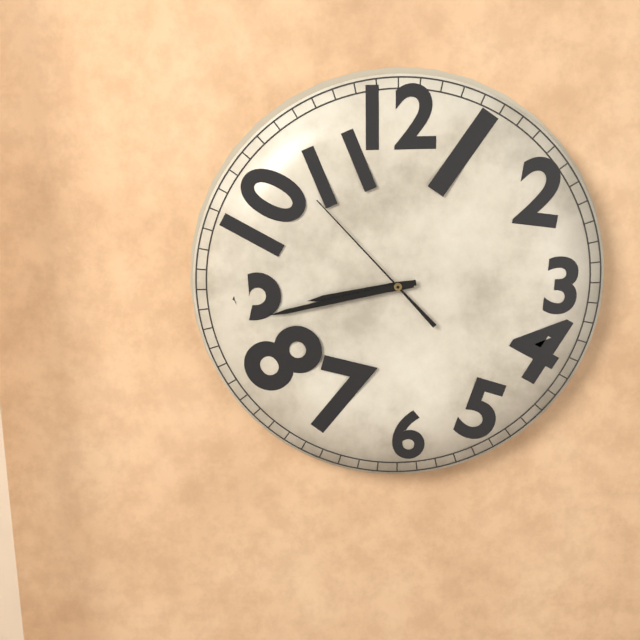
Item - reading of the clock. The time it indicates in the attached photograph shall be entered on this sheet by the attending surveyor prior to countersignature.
8:43:53
